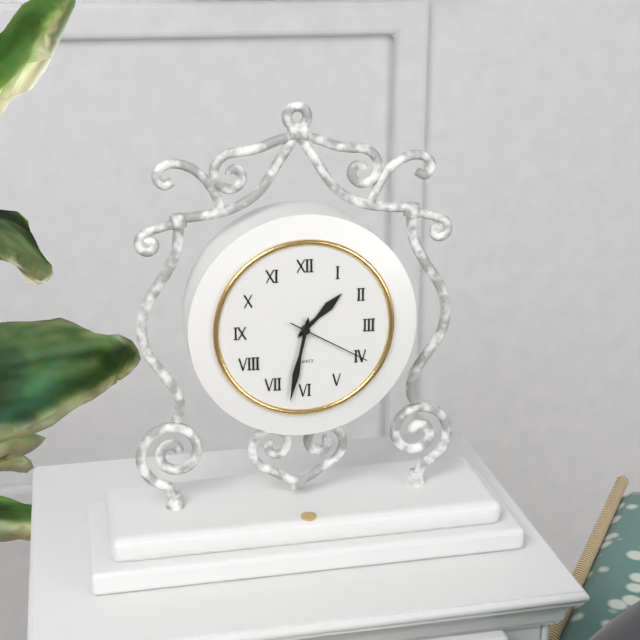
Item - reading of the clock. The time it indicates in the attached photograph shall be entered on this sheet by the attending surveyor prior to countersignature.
1:32:20
